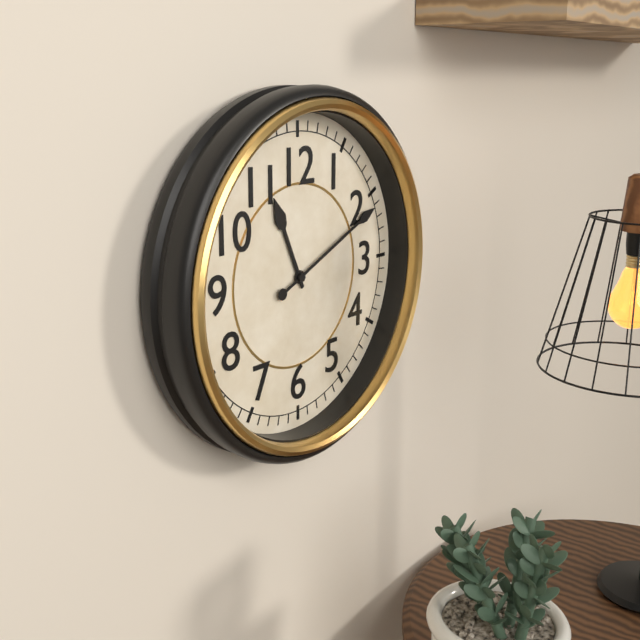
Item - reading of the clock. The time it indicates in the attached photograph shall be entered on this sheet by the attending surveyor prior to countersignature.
11:11
